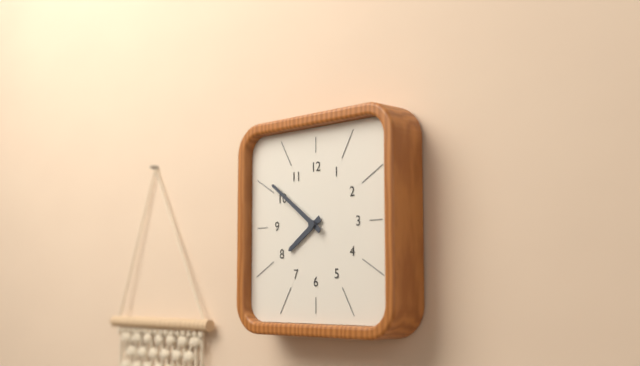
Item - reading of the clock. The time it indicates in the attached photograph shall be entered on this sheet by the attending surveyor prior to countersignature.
7:51
